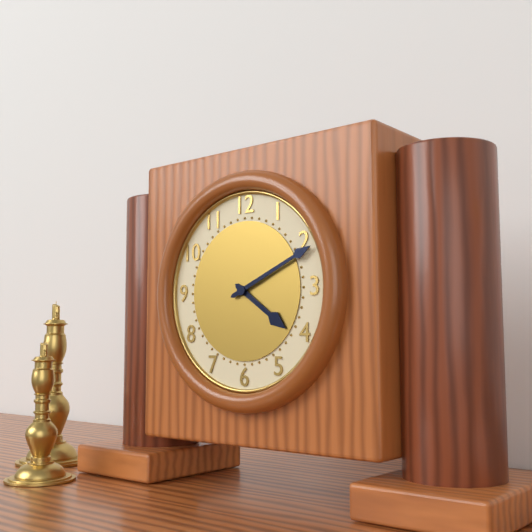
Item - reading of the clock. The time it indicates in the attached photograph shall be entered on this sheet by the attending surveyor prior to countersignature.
4:11
